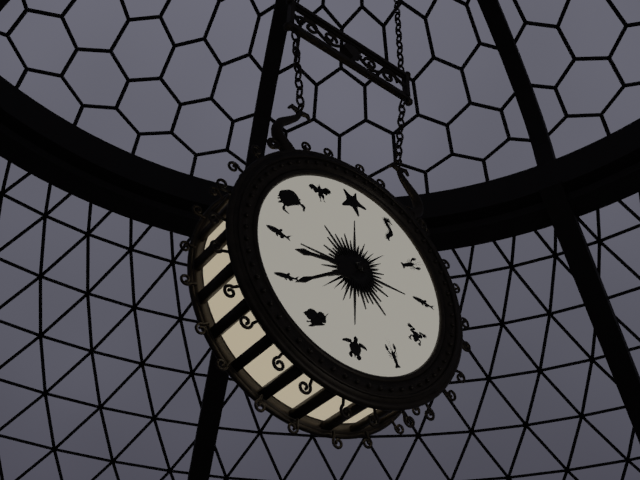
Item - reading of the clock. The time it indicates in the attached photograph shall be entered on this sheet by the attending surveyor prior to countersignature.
8:39
